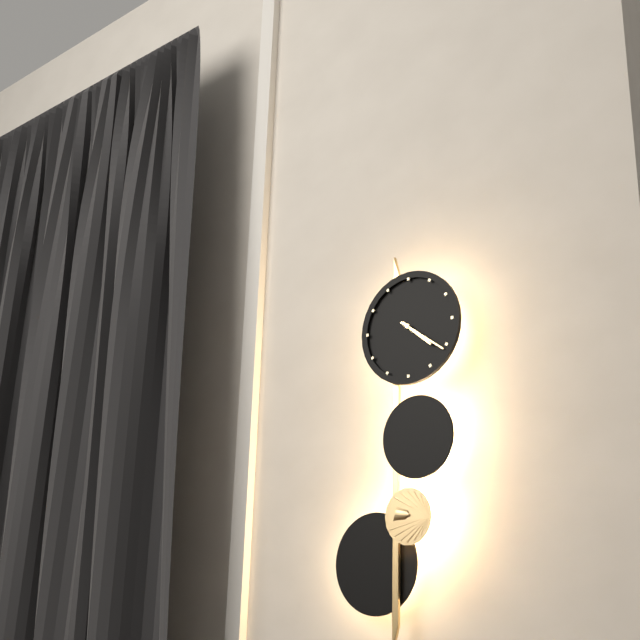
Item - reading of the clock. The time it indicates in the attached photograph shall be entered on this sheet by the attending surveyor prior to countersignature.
4:21
